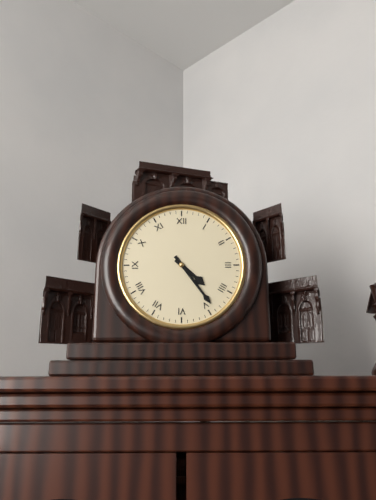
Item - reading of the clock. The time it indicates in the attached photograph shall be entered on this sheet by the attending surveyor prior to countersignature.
4:24
